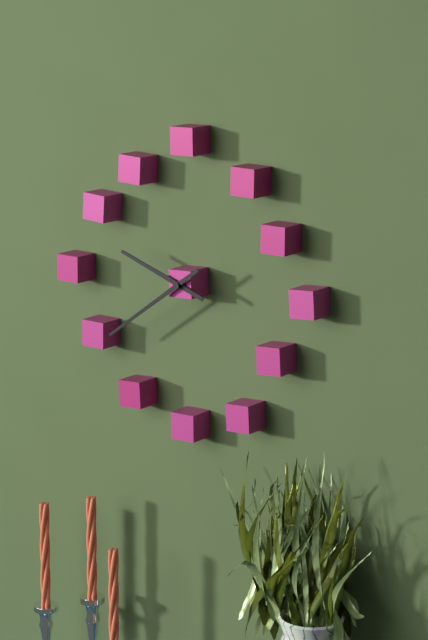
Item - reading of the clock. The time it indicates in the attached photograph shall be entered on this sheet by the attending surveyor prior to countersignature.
9:39
